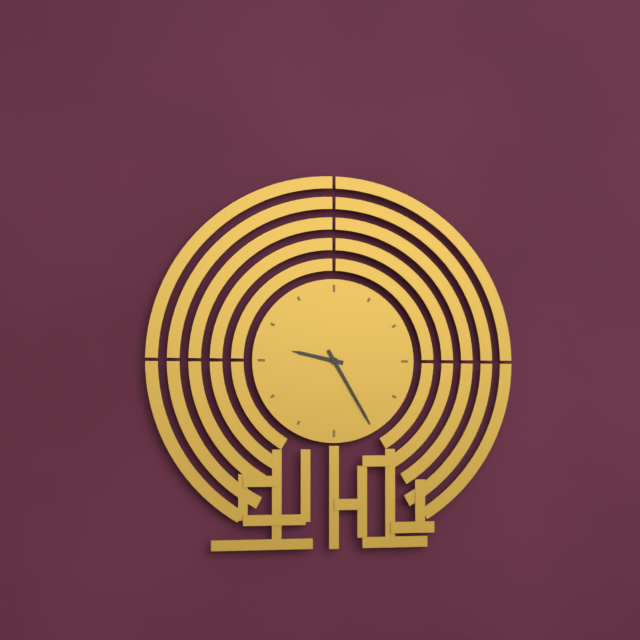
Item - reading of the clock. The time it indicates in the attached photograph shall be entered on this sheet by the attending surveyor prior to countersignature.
9:25
